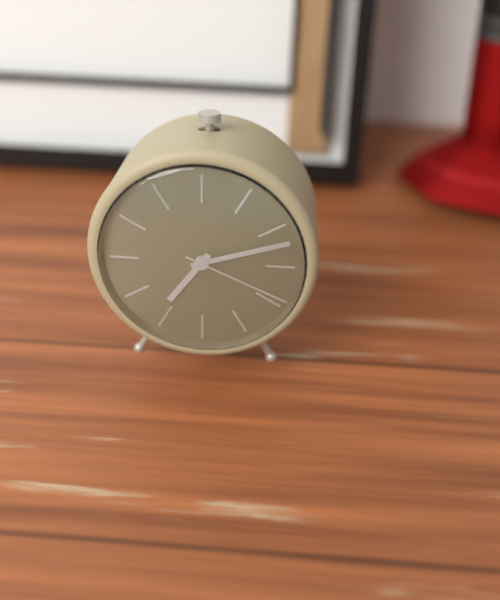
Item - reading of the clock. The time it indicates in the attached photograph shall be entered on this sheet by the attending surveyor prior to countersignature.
7:12:19
